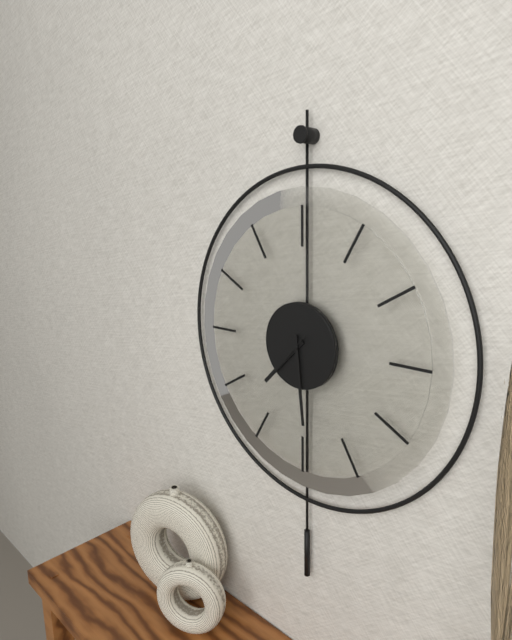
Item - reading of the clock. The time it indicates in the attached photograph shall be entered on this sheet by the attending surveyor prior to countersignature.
7:29:37
